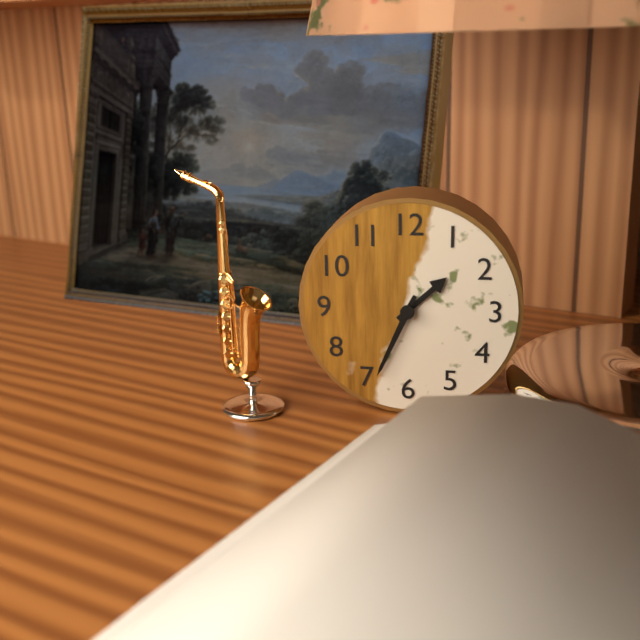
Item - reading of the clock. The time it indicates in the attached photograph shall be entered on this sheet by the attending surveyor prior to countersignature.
1:34
